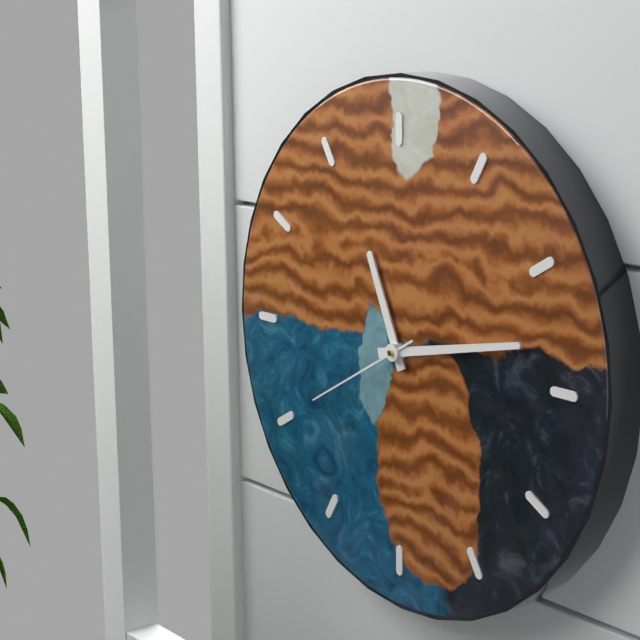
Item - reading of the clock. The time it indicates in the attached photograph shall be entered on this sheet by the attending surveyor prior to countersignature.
11:13:40
